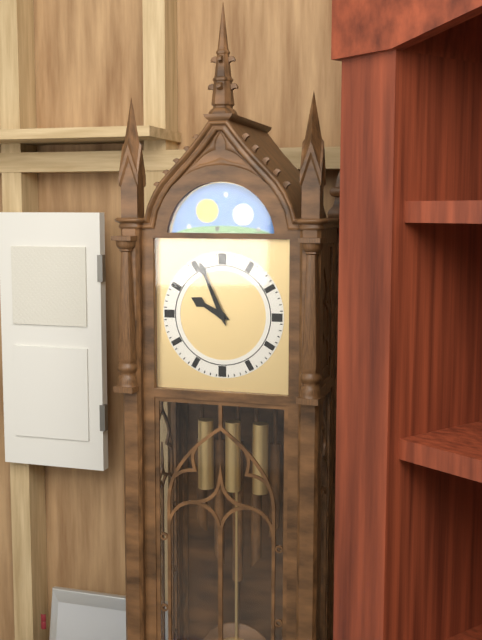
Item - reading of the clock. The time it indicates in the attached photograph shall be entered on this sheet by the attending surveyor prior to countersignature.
9:56
